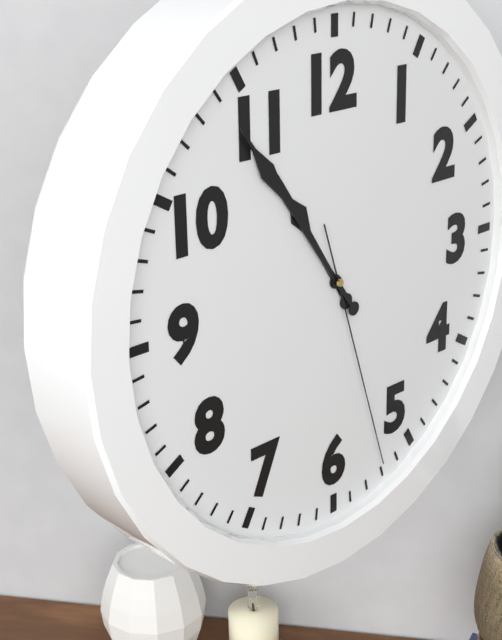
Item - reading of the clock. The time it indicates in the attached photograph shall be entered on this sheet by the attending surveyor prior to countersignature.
10:54:27
